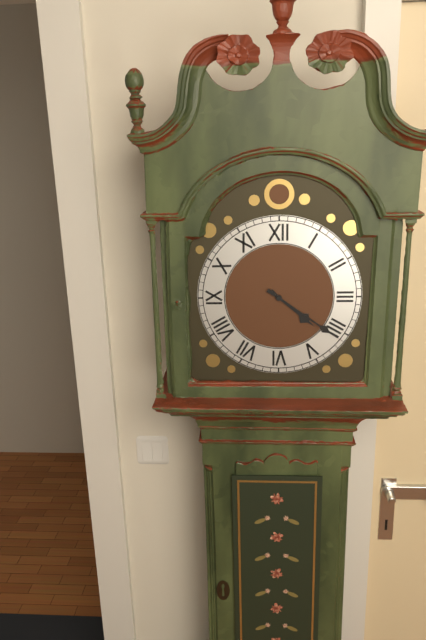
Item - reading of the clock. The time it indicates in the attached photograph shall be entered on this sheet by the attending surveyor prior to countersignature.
4:21
